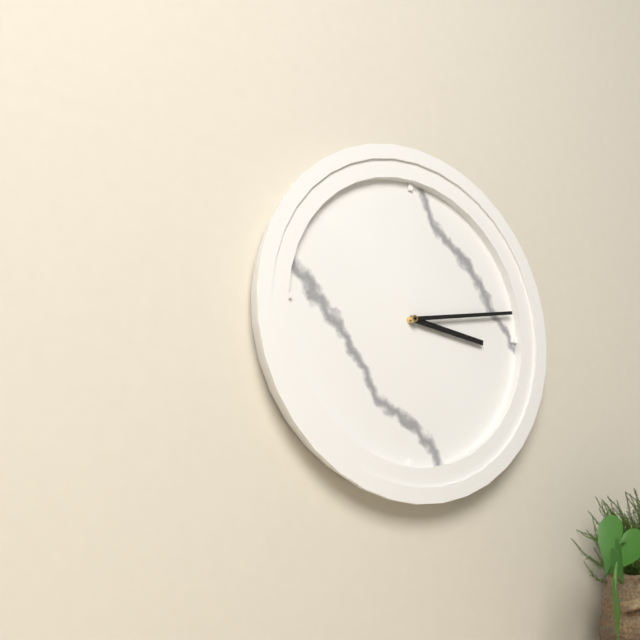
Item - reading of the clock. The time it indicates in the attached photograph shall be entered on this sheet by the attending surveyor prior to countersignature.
3:13
